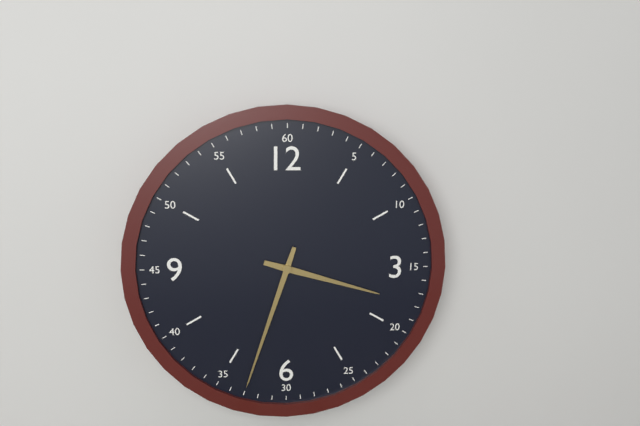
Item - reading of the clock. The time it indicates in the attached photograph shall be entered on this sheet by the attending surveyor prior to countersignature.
3:33
